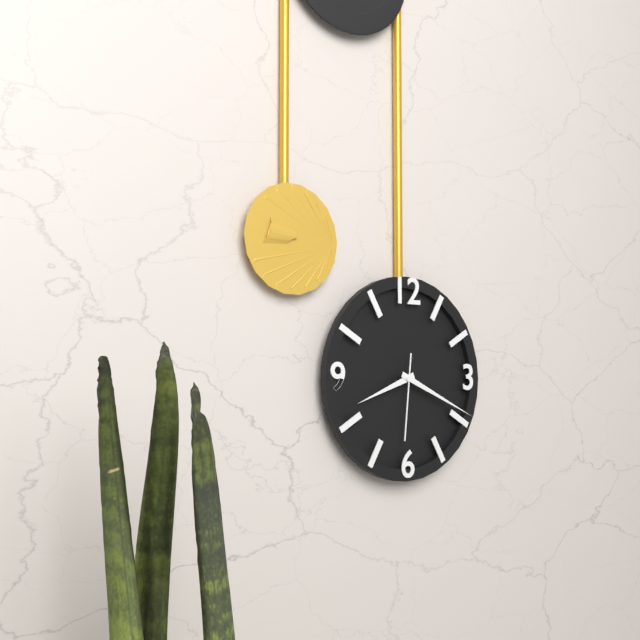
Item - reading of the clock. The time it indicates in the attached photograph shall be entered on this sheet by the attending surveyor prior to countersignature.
8:19:31
